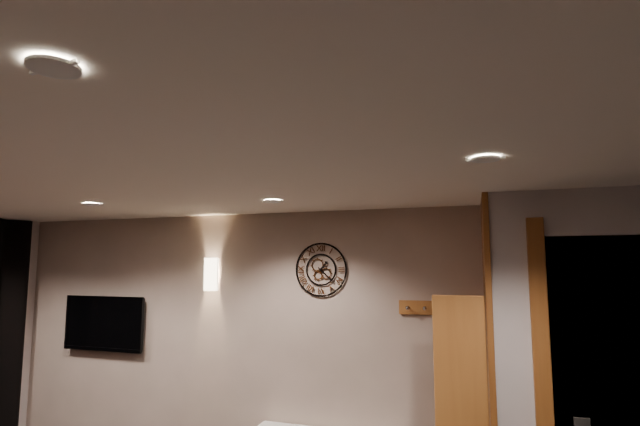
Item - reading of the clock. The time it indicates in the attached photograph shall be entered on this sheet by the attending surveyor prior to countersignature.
1:22
